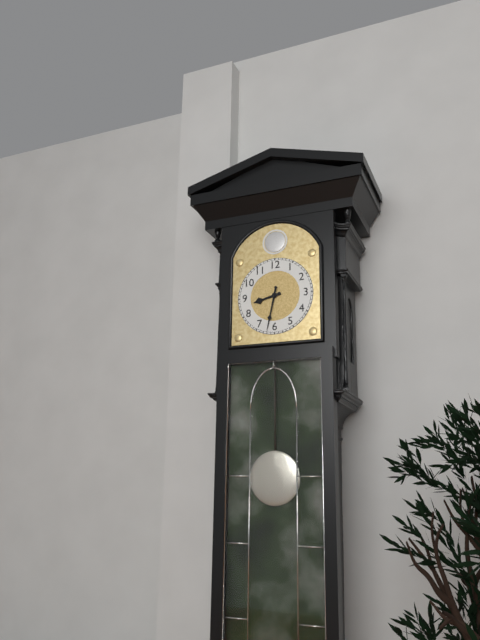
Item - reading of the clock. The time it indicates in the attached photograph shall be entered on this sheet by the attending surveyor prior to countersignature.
8:32
